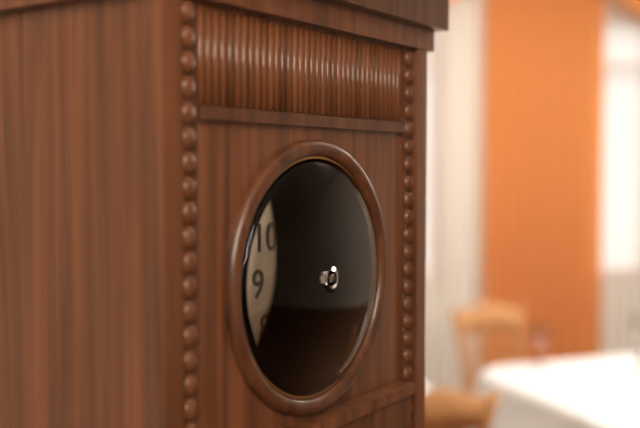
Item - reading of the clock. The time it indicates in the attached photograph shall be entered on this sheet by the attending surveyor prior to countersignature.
10:57
